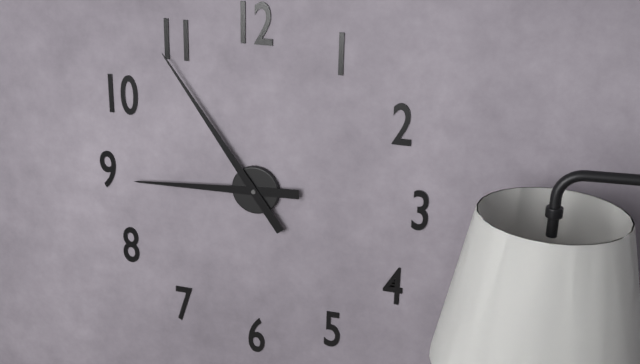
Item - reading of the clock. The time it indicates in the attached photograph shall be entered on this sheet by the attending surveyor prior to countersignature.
8:54
